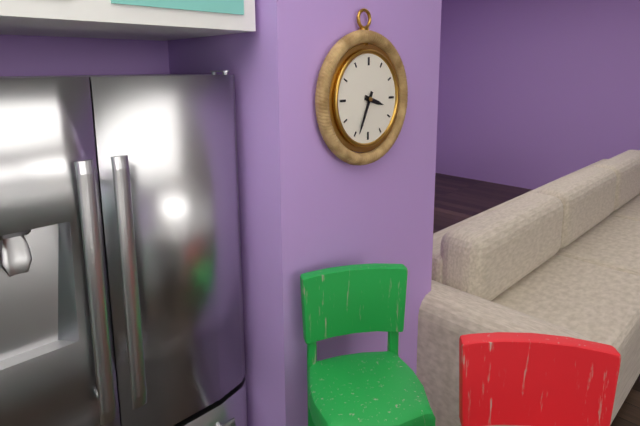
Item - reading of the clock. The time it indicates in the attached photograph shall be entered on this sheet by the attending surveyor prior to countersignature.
3:34
